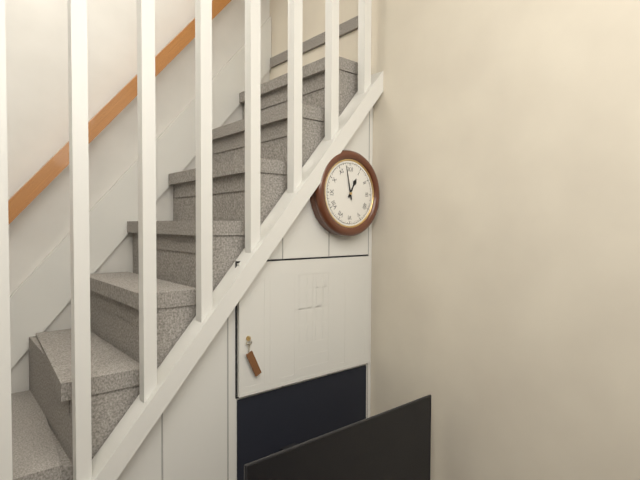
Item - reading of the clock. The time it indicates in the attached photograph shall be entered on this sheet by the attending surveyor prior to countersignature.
12:58
